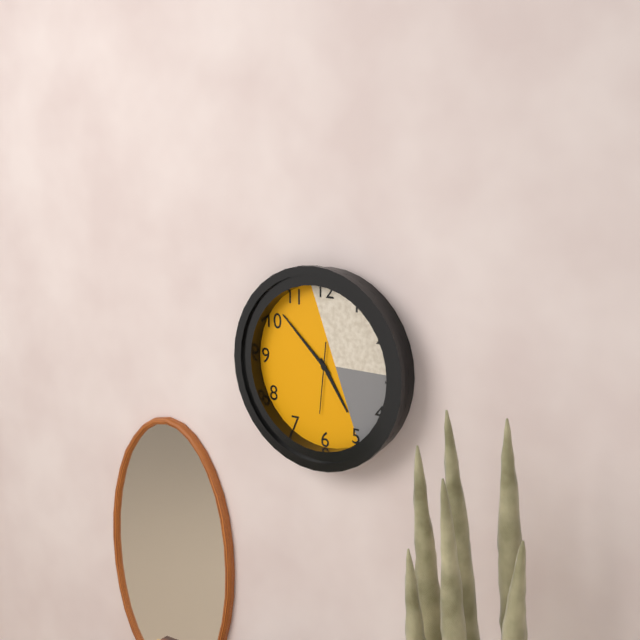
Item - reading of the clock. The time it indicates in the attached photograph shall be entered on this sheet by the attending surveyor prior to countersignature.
4:52:31
